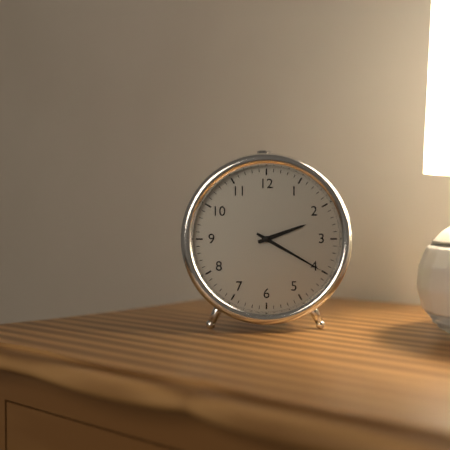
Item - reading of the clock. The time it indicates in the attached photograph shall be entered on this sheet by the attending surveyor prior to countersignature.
2:20
